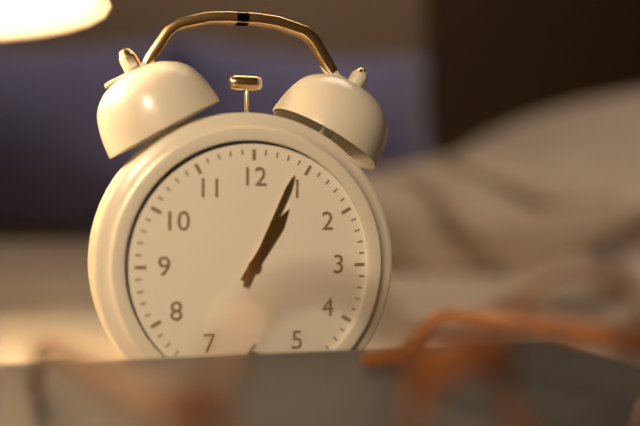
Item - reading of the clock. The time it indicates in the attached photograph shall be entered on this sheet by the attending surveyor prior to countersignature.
1:04
